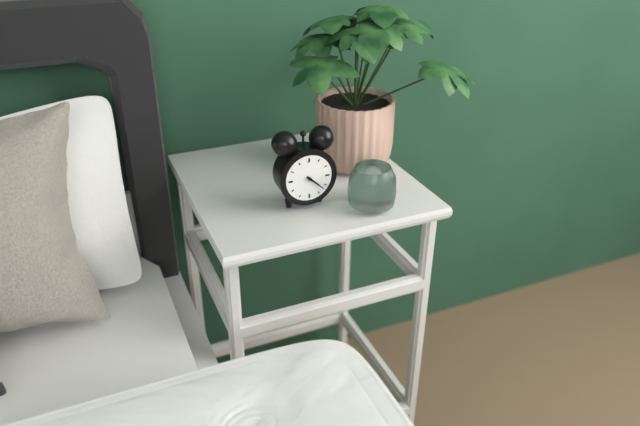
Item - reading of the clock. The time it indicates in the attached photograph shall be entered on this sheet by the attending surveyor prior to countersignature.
4:22
